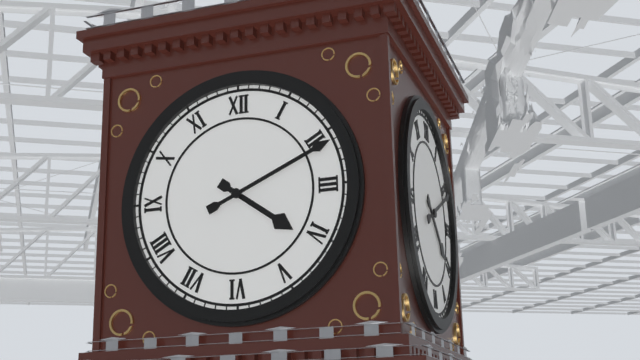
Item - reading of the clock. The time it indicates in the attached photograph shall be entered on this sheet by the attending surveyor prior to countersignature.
4:11
